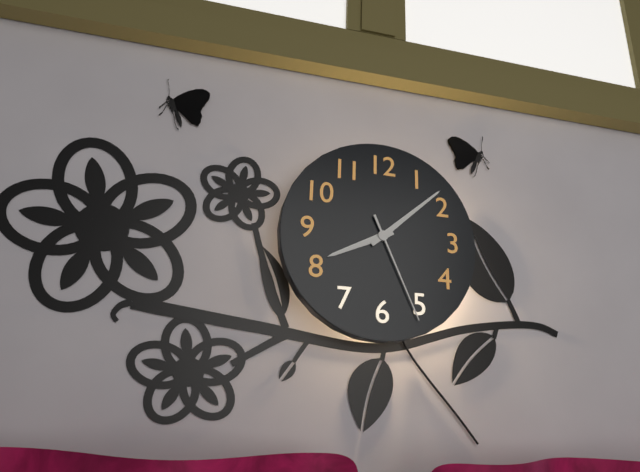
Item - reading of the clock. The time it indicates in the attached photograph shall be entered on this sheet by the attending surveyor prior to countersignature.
8:08:26
